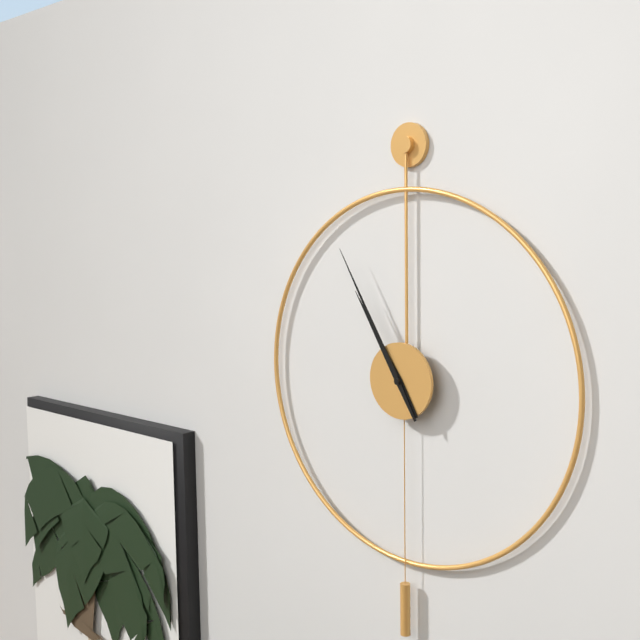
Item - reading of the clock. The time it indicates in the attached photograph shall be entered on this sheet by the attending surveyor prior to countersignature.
10:55
